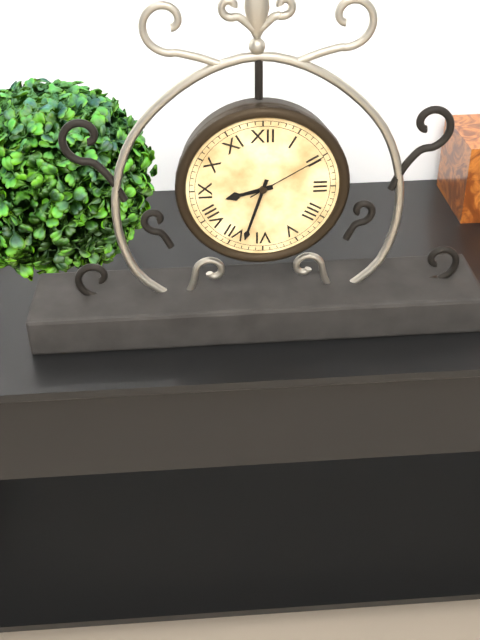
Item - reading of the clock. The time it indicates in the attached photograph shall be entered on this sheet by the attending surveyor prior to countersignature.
8:33:10
